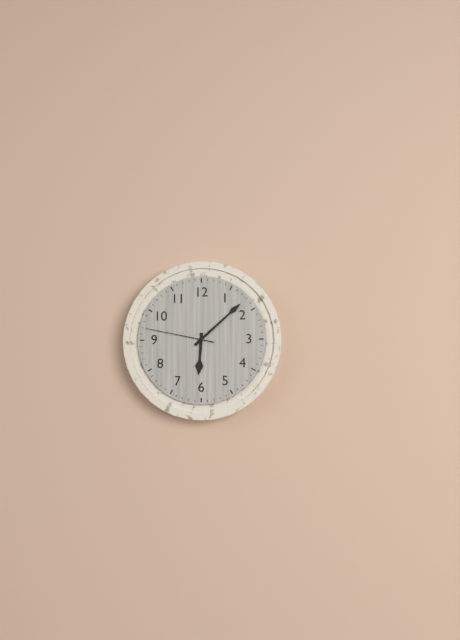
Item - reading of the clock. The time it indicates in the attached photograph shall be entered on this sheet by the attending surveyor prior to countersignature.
6:08:47
